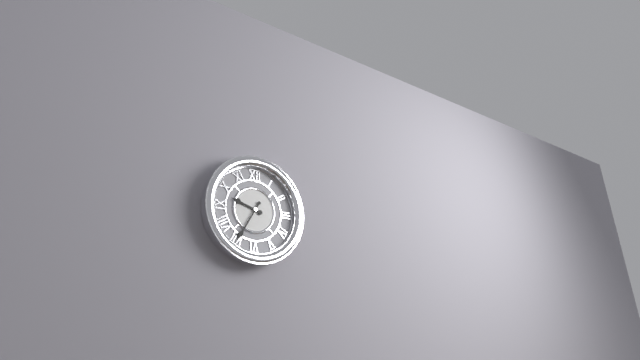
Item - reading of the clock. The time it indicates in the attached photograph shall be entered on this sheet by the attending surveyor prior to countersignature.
9:35
